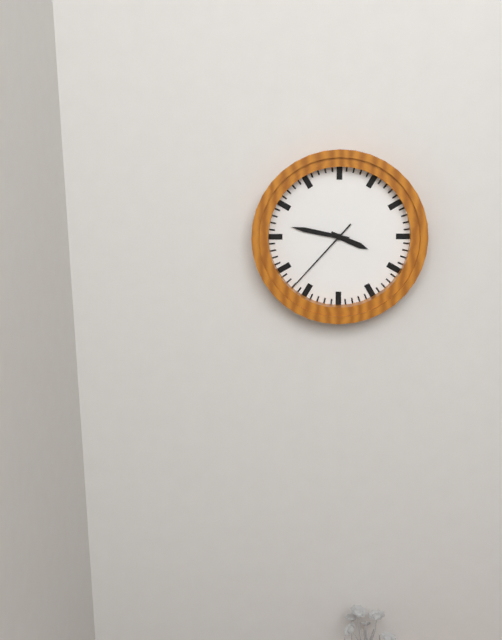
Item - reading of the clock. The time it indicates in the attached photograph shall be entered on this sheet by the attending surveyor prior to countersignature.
3:47:37
